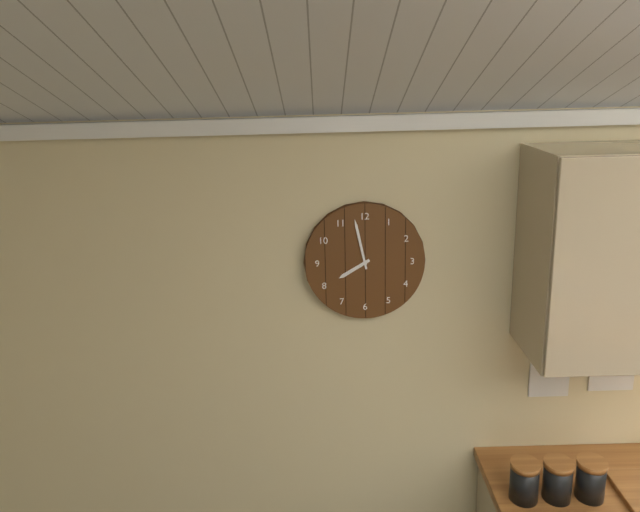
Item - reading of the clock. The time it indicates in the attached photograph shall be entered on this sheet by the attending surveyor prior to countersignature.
7:58
